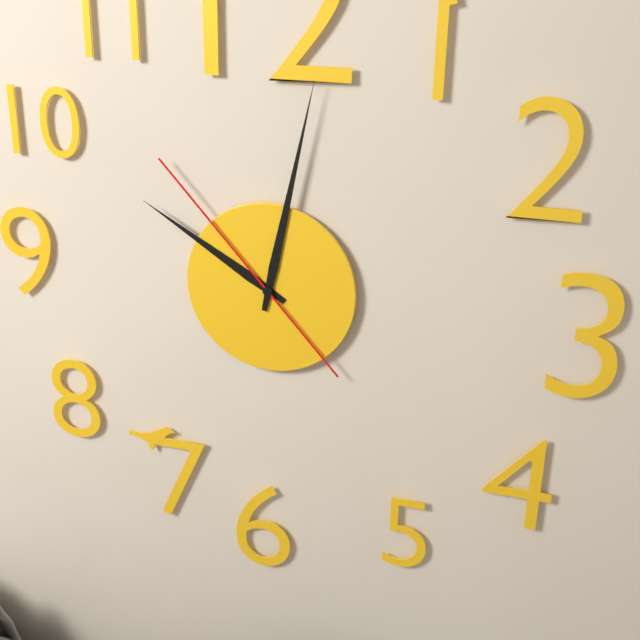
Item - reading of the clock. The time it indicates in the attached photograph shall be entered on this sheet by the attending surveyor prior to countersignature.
10:02:53
